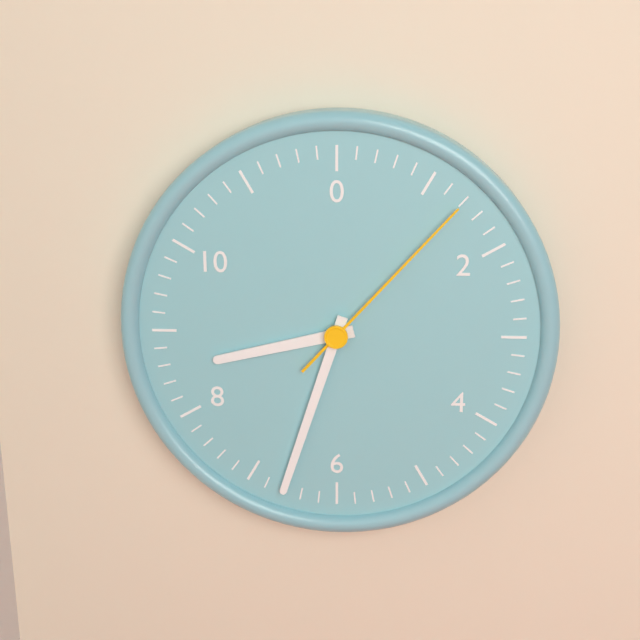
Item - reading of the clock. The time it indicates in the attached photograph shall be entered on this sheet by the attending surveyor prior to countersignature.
8:33:07
